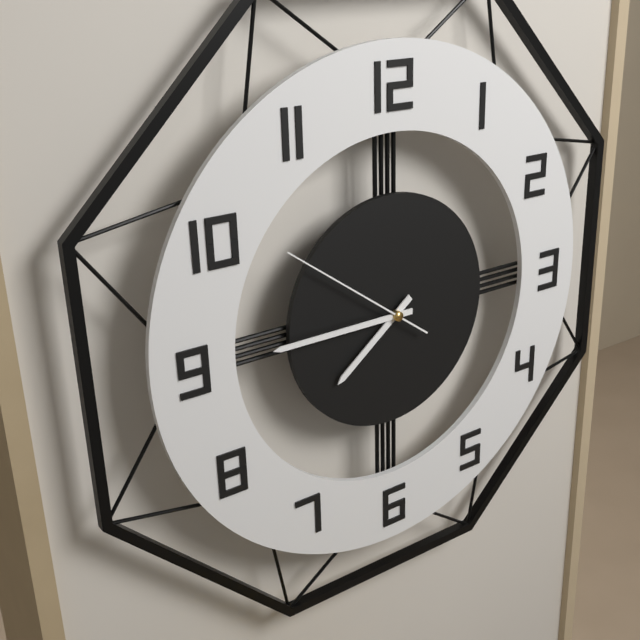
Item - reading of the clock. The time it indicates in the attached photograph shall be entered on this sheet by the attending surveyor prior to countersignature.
7:45:51
